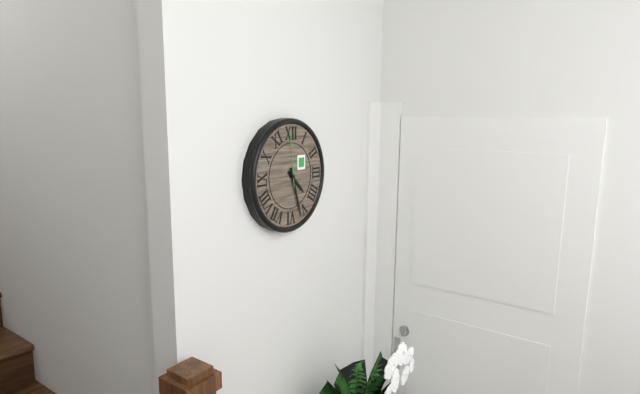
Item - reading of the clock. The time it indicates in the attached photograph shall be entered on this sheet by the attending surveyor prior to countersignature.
4:27:59
